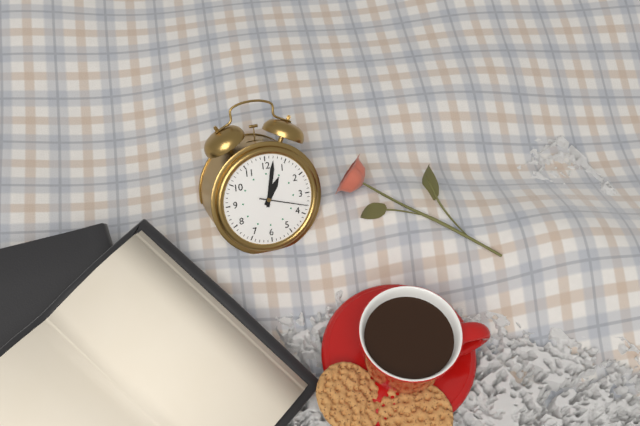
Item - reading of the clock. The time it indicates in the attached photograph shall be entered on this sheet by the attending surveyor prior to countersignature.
1:02
